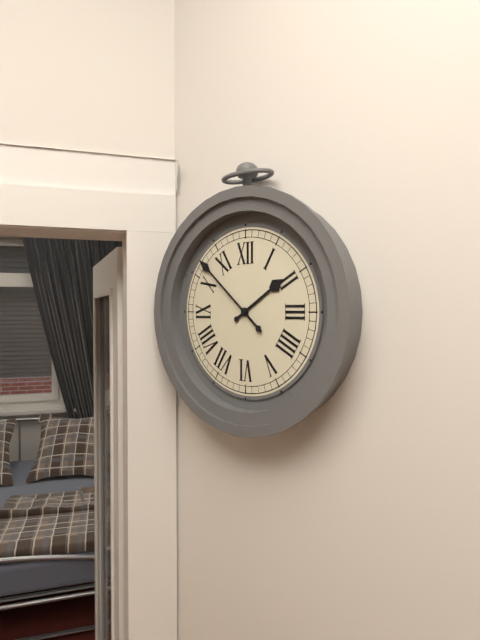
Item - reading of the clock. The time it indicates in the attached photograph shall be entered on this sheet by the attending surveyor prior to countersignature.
1:52
